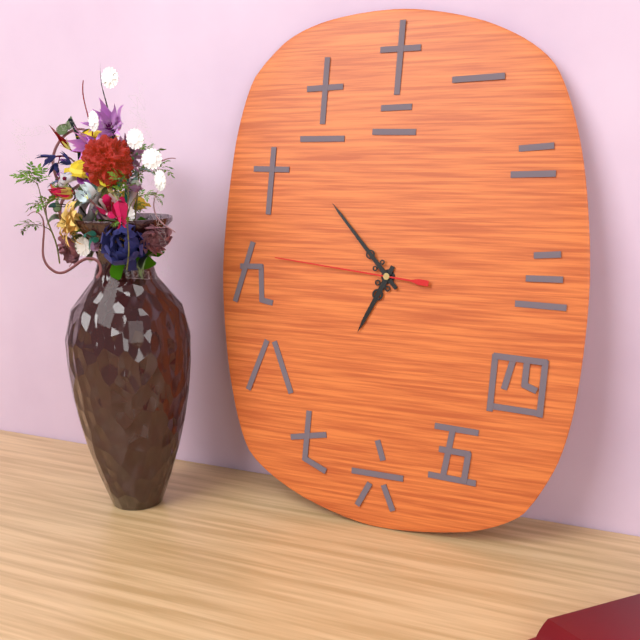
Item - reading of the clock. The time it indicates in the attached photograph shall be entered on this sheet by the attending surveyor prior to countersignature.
6:53:46
